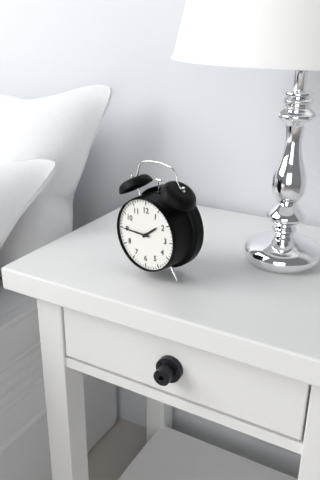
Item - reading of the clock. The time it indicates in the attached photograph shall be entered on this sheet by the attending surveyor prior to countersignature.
1:45
